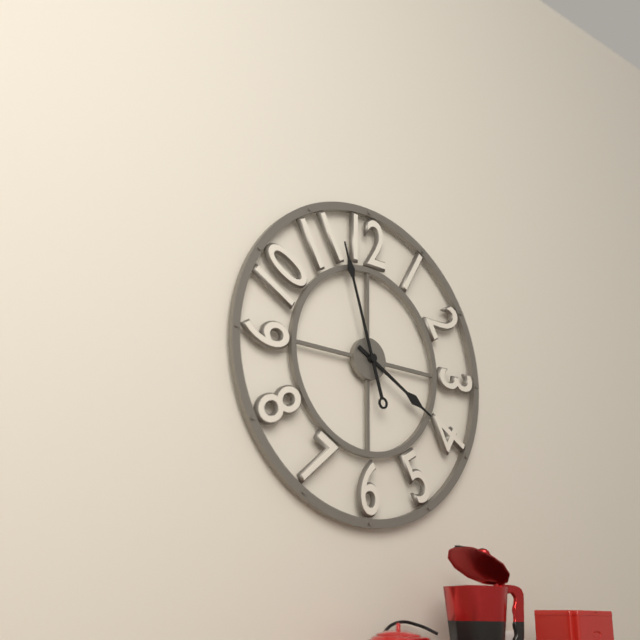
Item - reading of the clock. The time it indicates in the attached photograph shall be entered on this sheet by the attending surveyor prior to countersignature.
3:57
